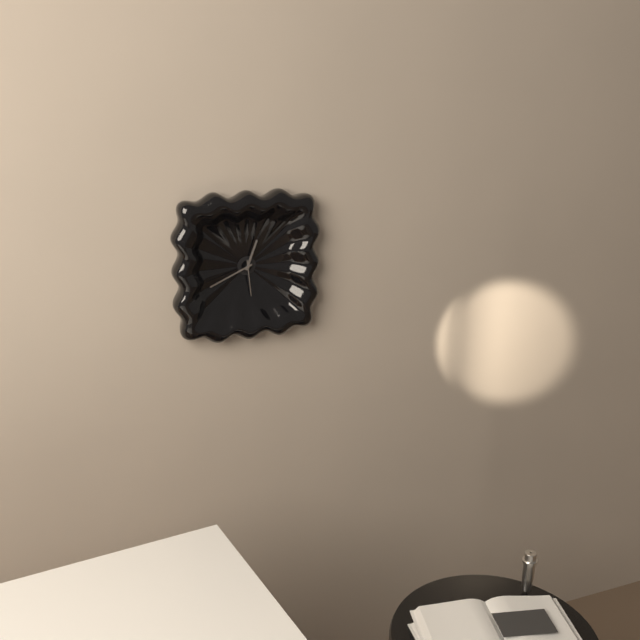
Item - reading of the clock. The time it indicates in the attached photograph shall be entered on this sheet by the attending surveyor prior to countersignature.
12:41
